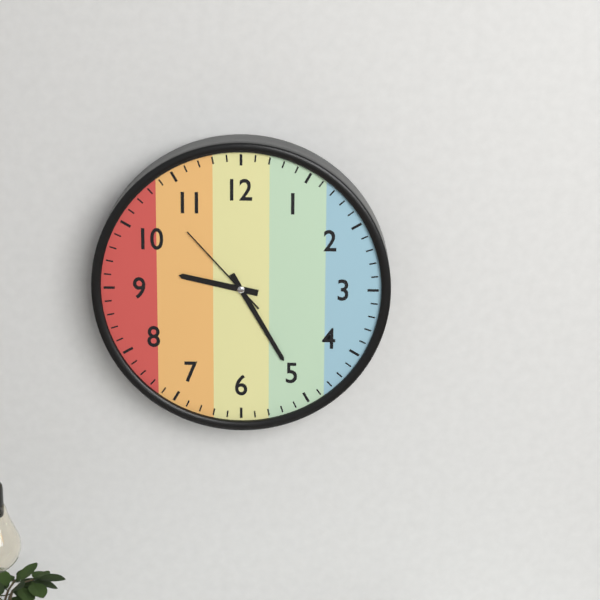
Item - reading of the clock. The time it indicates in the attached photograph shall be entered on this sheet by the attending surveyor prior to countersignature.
9:25:53
